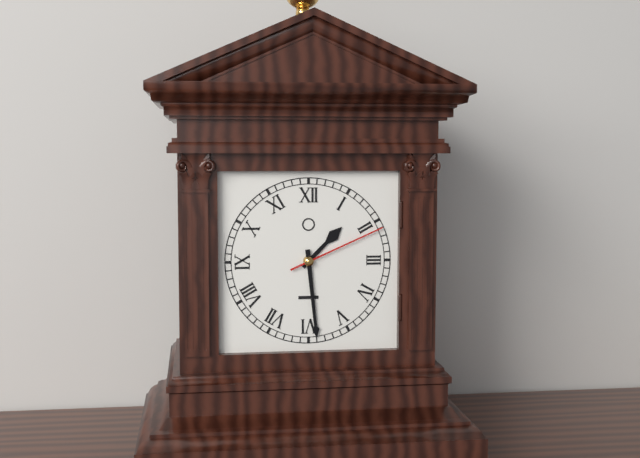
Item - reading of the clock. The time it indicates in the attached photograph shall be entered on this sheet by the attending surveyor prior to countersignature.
1:29:11
